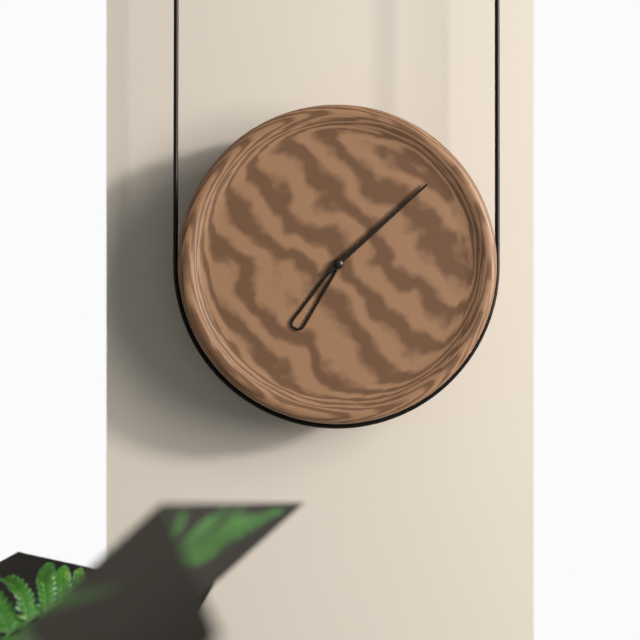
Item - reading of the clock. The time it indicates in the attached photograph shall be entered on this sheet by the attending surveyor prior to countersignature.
7:08
